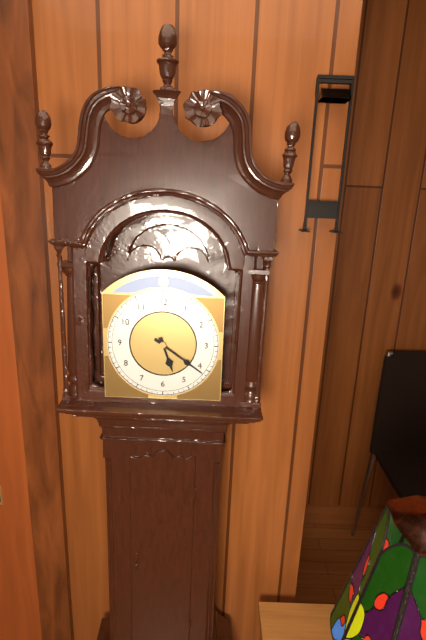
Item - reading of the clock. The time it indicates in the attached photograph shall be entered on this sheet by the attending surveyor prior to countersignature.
5:21
